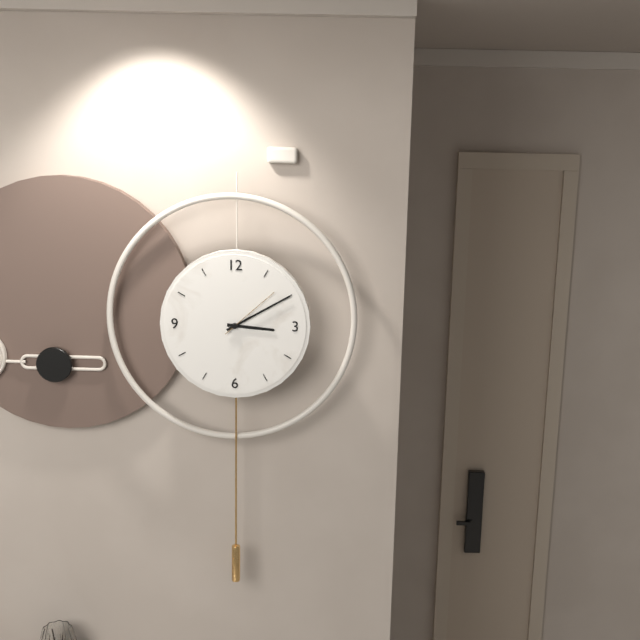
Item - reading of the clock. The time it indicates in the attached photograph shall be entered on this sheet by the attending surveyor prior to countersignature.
3:10:08
